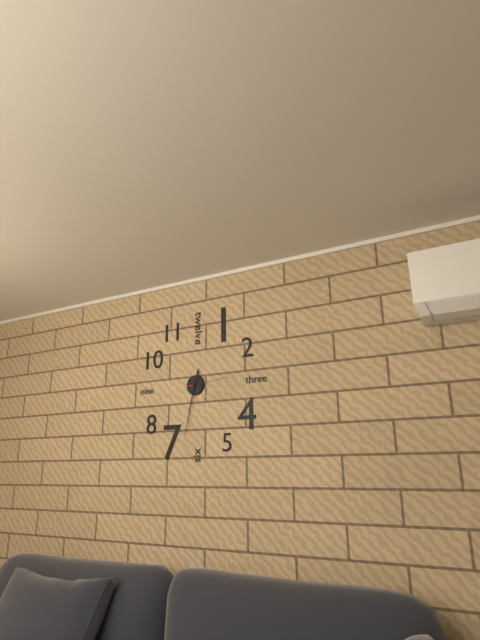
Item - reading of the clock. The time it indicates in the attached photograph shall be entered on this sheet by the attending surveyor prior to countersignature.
12:32
